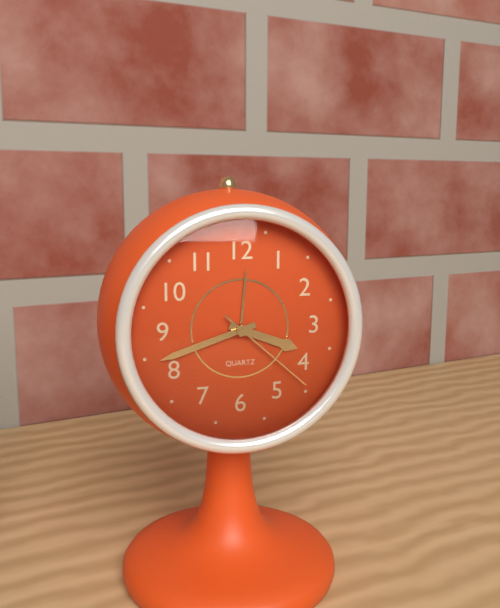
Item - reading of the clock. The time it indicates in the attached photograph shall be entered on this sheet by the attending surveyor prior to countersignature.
3:42:22
